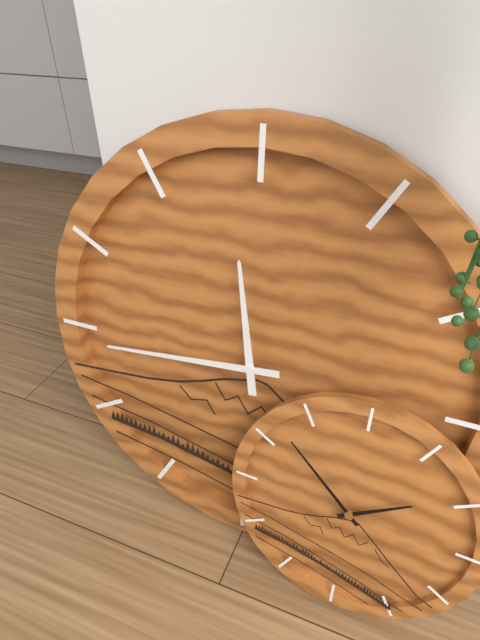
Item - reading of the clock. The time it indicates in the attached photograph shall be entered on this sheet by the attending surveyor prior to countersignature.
11:44
